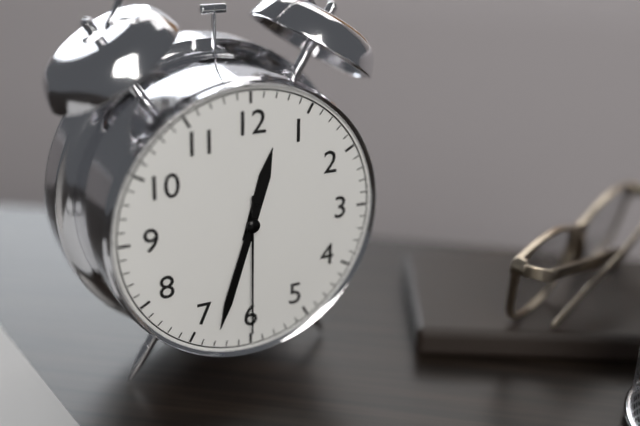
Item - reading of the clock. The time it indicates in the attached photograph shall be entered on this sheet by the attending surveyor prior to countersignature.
12:33:30
